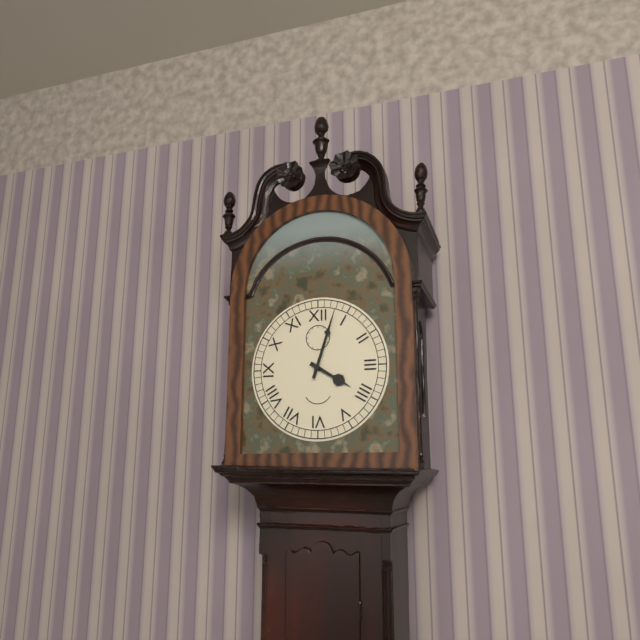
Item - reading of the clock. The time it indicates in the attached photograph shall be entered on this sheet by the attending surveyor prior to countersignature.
4:03
